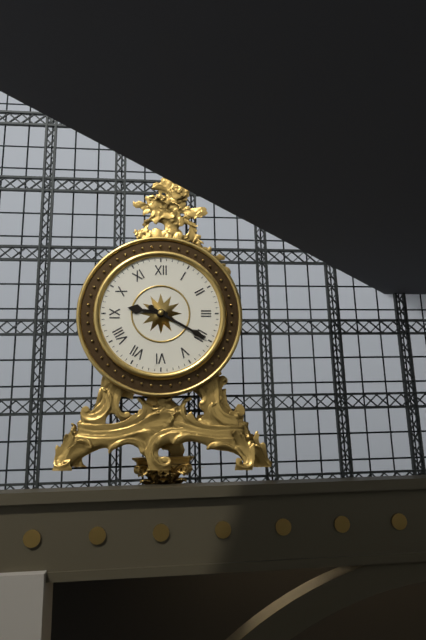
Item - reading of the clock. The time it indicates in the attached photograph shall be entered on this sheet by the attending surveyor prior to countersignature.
9:20
